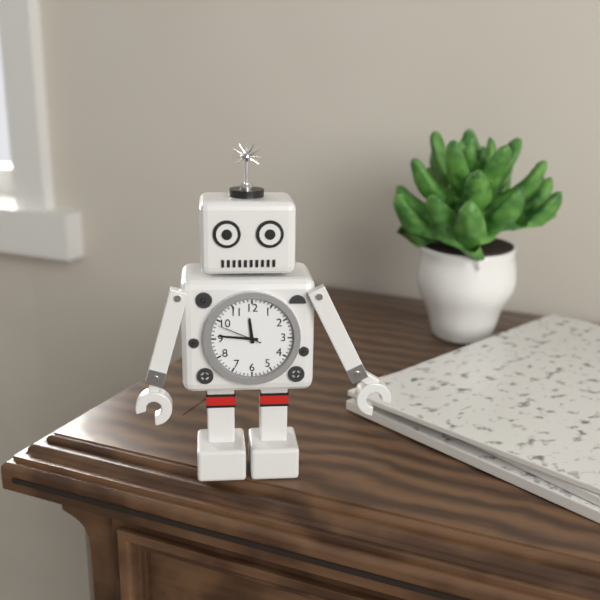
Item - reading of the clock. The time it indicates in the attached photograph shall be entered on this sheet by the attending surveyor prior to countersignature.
11:46
